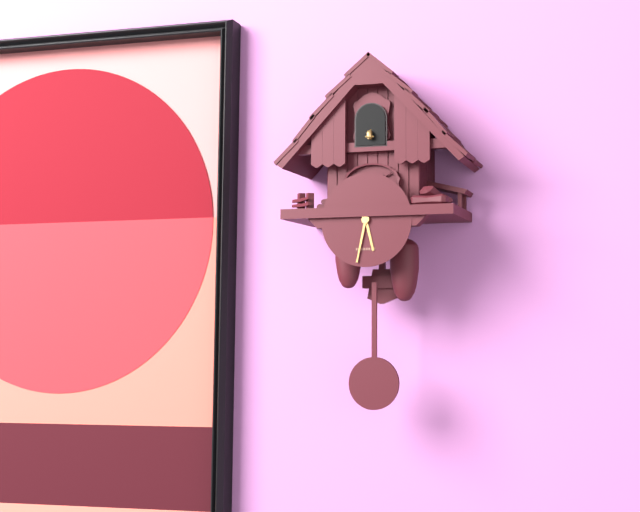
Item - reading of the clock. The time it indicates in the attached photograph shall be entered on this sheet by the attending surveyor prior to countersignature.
5:32
